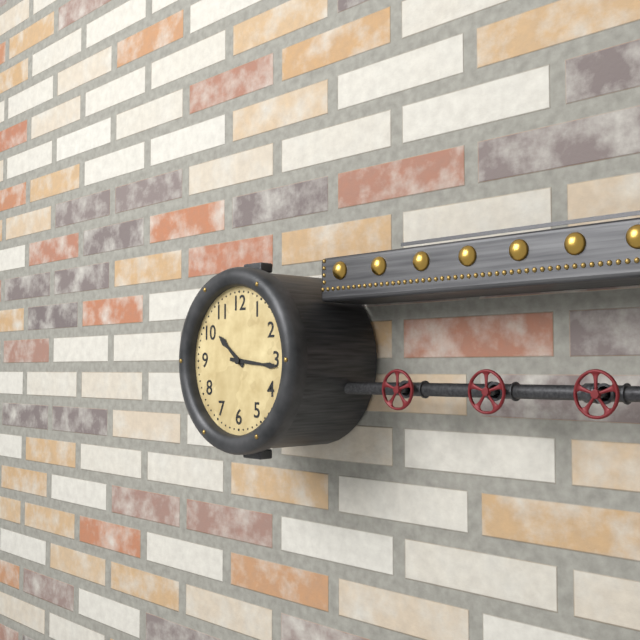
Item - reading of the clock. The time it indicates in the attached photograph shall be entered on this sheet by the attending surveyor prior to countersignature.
10:16
